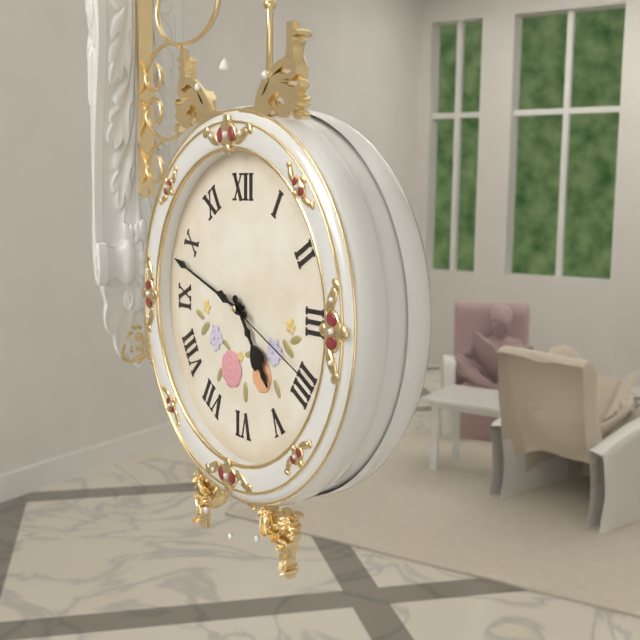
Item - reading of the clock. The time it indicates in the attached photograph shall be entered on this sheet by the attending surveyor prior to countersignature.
4:48:19
